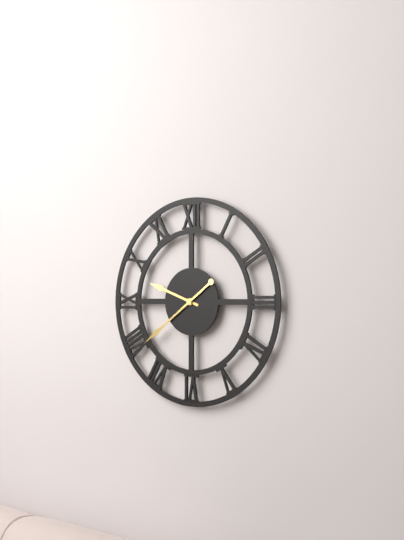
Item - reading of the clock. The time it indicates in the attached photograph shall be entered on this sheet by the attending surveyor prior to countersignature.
9:39
